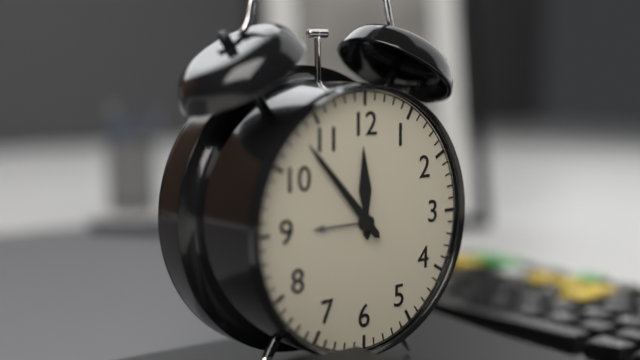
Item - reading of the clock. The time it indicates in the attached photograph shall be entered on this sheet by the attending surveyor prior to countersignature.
11:53
